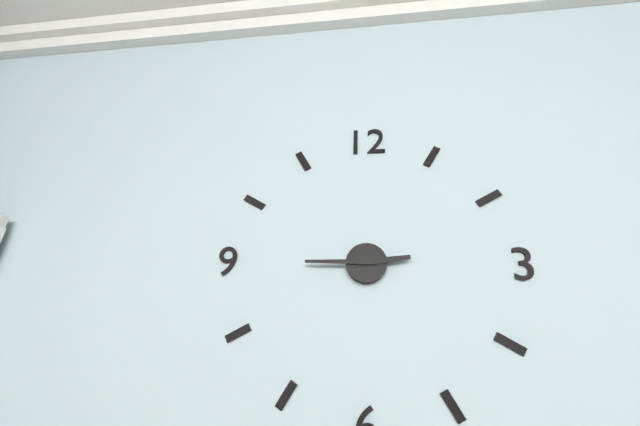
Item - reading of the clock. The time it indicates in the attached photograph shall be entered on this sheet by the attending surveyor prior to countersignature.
2:45
